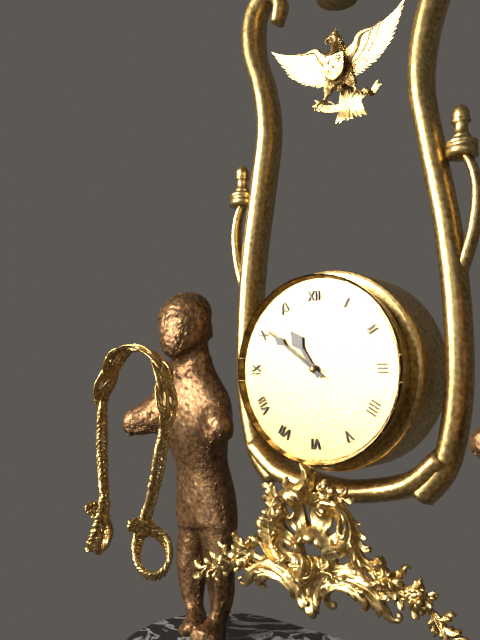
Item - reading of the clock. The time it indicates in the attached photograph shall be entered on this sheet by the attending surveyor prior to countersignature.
10:51
